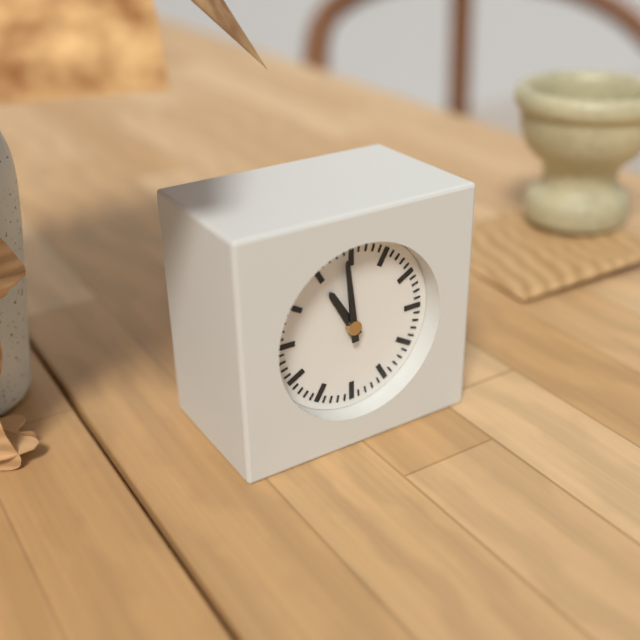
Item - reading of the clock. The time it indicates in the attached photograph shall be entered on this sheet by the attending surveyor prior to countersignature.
10:59
